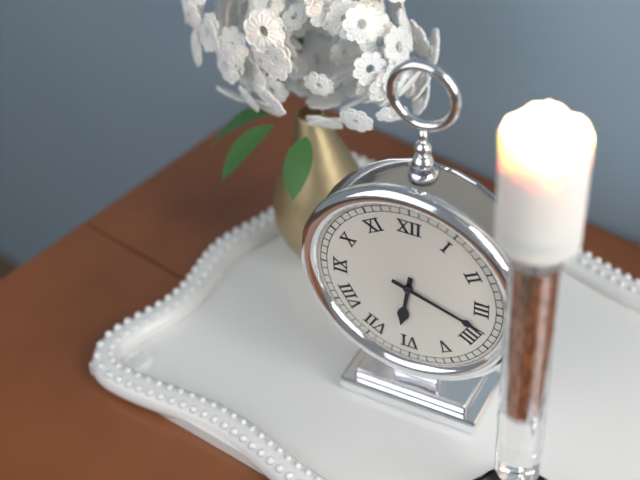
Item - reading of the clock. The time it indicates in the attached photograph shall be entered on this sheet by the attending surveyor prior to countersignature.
6:18
